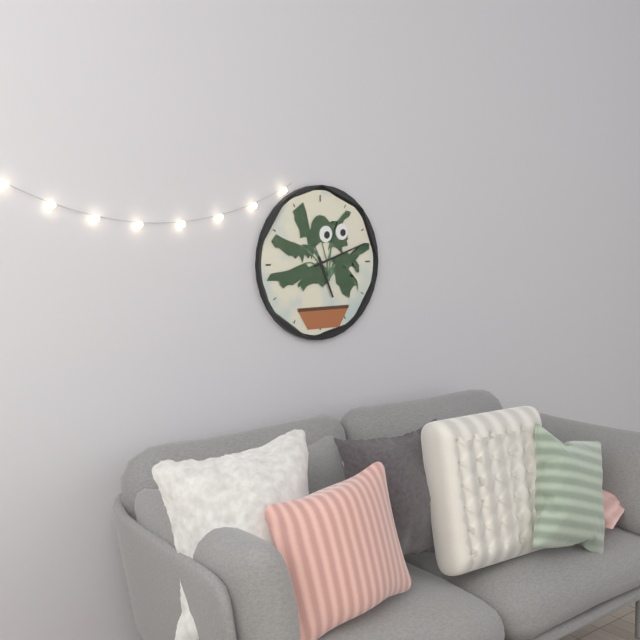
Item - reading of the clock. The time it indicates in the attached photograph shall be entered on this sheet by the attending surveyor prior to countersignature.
5:12
